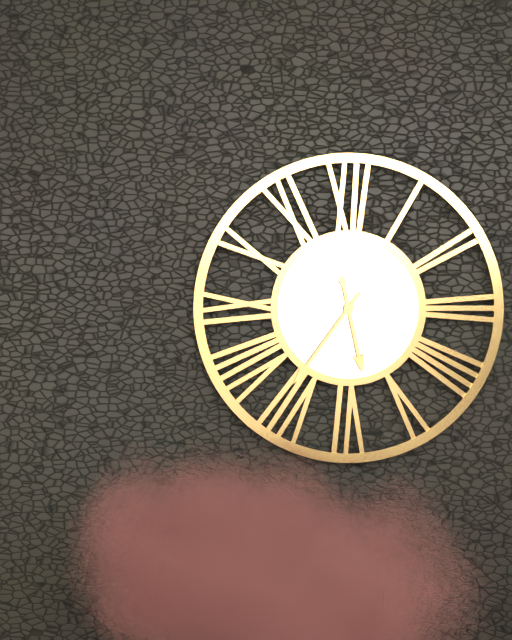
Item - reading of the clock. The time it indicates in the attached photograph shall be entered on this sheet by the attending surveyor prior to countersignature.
5:36
